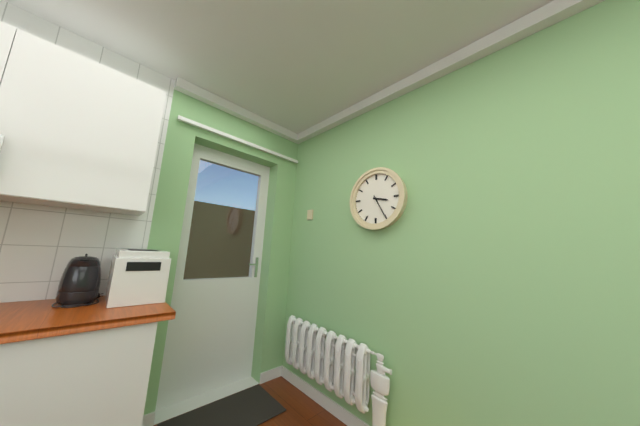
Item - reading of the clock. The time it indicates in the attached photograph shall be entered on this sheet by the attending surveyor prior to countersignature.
3:25
